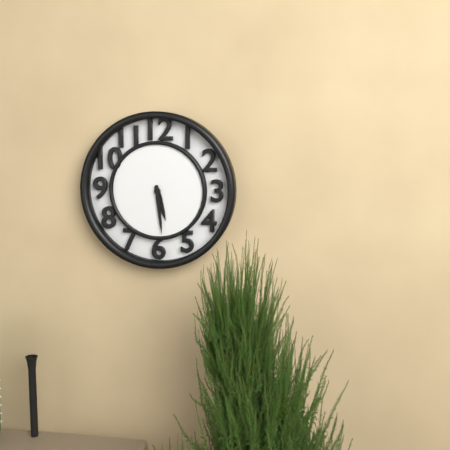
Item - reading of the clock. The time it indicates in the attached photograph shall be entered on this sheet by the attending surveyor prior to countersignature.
5:29
